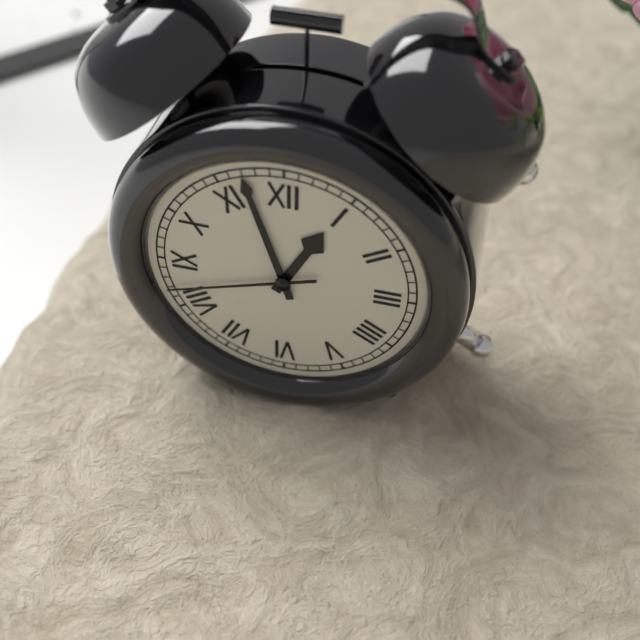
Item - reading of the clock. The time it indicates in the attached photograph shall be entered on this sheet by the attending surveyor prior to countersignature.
12:57:42
